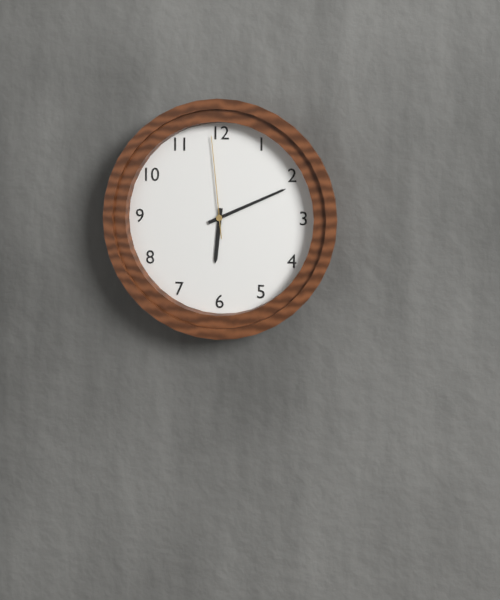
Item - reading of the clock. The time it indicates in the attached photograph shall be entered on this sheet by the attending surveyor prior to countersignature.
6:11:59
